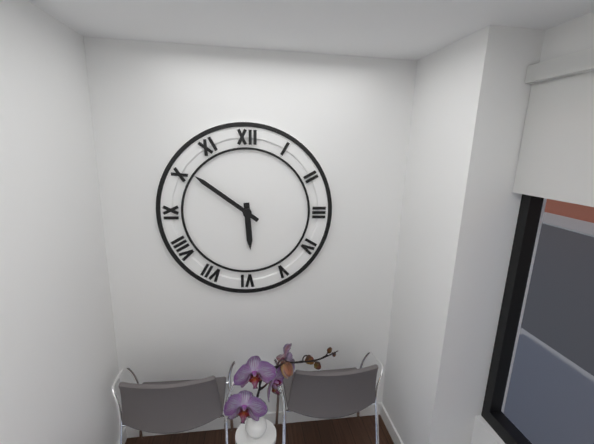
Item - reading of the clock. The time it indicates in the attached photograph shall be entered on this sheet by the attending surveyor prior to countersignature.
5:51
